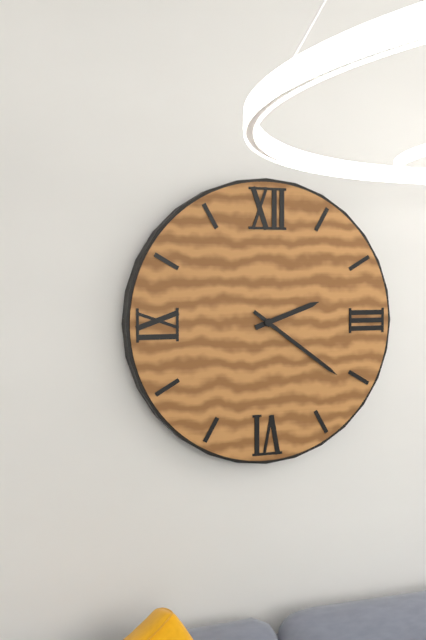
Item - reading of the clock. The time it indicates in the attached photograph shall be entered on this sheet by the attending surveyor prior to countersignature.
2:21
